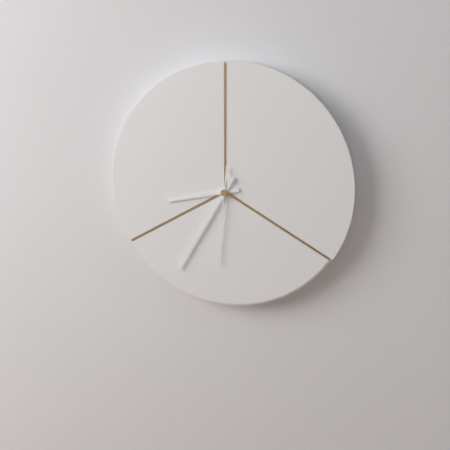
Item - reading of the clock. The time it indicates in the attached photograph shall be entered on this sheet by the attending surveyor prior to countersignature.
8:35:31
